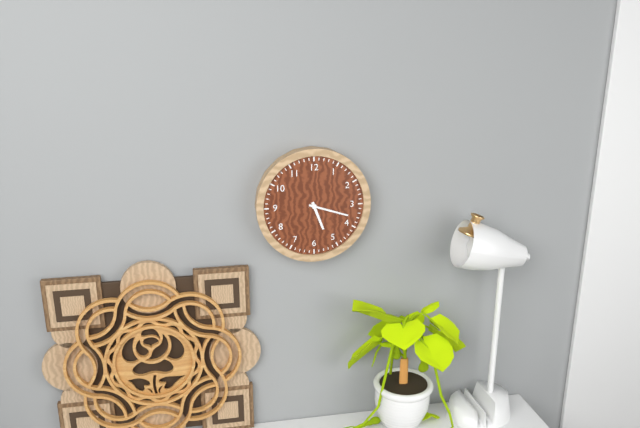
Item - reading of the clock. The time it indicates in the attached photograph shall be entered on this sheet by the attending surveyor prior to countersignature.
5:18
